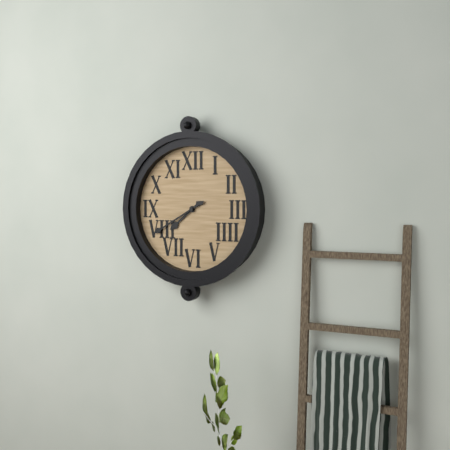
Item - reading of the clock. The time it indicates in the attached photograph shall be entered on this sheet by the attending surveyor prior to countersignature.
7:40
